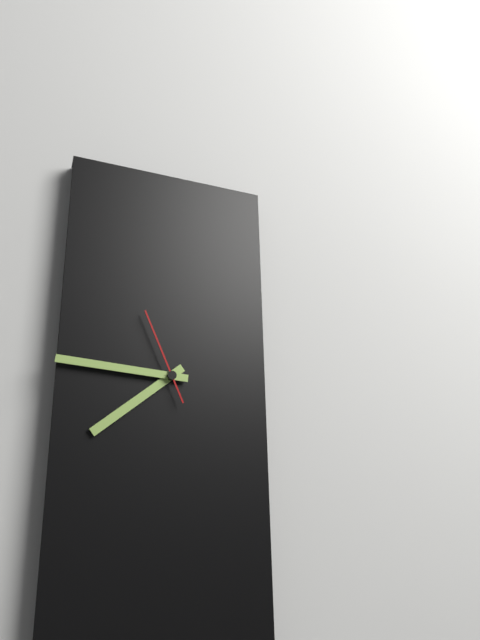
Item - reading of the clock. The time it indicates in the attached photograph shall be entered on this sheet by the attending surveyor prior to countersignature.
7:46:56
